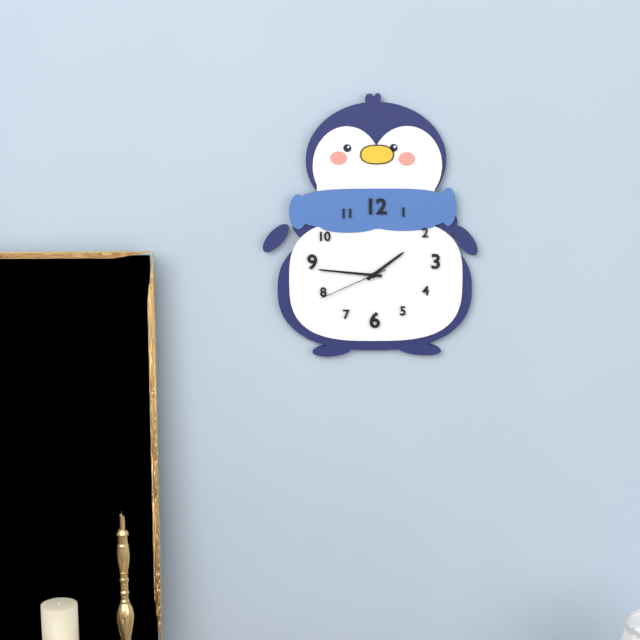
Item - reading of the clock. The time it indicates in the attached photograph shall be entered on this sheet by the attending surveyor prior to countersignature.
1:46:41
